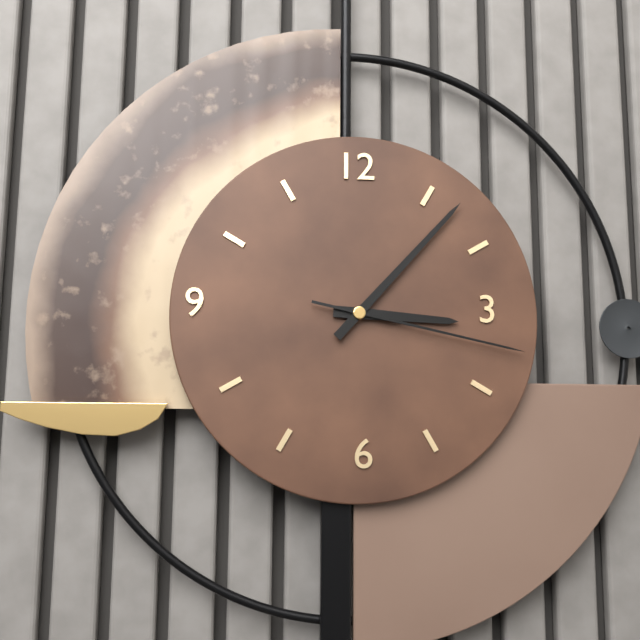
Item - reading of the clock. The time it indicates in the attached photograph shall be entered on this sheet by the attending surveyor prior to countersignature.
3:07:17
